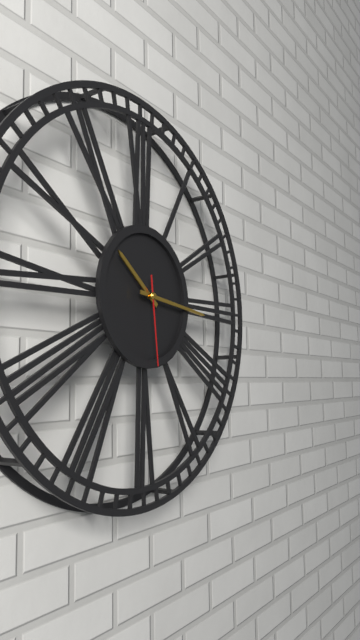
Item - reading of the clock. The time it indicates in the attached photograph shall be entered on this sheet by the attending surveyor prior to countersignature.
10:16:29
